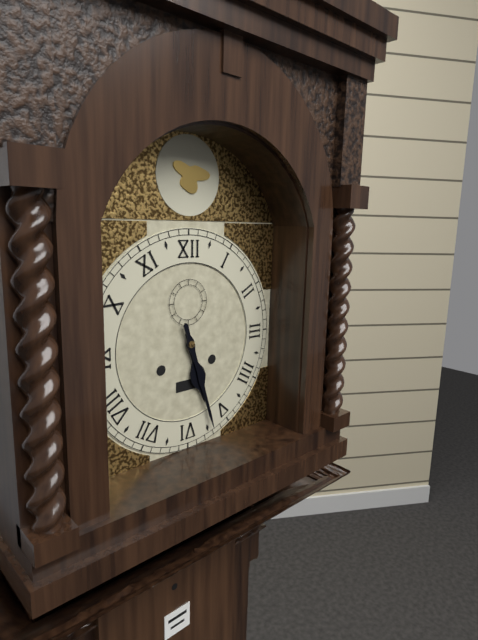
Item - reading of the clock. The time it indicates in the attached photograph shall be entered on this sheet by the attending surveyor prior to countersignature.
5:27
